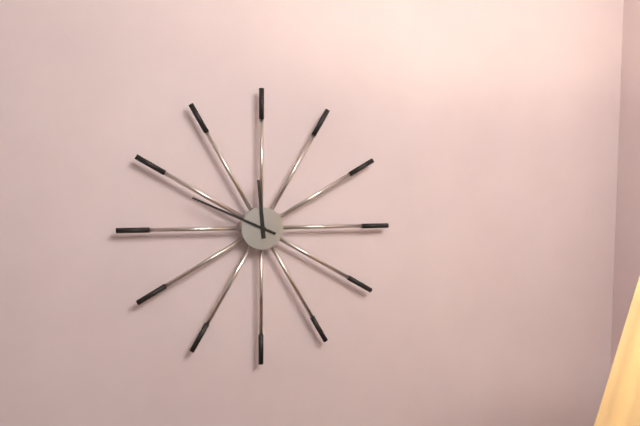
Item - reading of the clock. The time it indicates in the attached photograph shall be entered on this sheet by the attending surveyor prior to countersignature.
11:49
